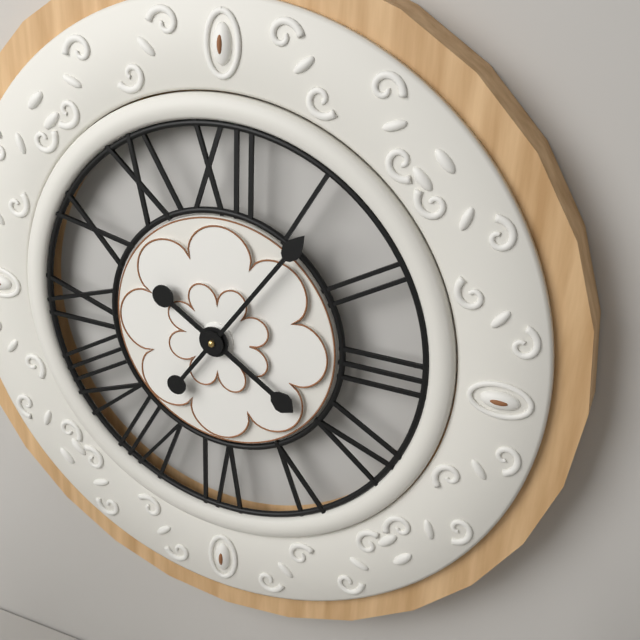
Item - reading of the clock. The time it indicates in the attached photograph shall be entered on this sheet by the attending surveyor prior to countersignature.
4:06
